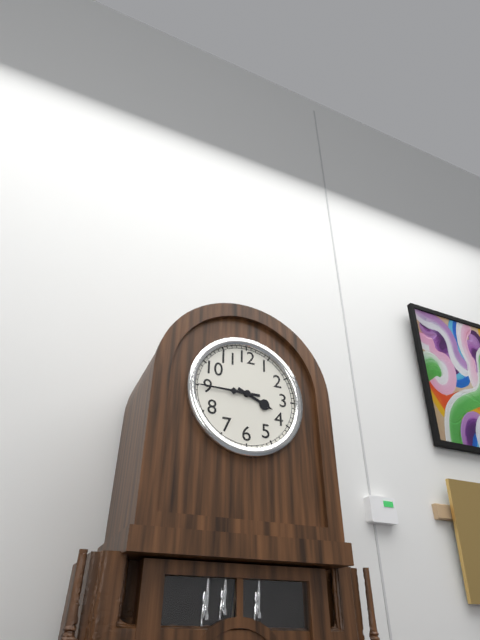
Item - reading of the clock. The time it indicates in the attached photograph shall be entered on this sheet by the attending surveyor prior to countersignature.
3:45
